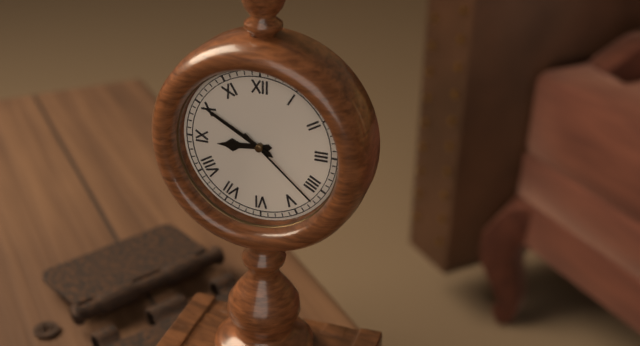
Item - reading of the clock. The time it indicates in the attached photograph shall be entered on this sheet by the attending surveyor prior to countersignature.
8:50:22
